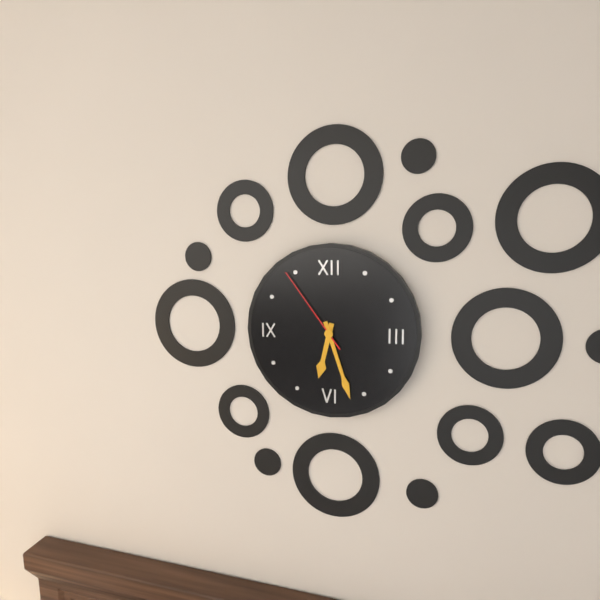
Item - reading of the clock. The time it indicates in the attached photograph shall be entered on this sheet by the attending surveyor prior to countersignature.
6:27:54
